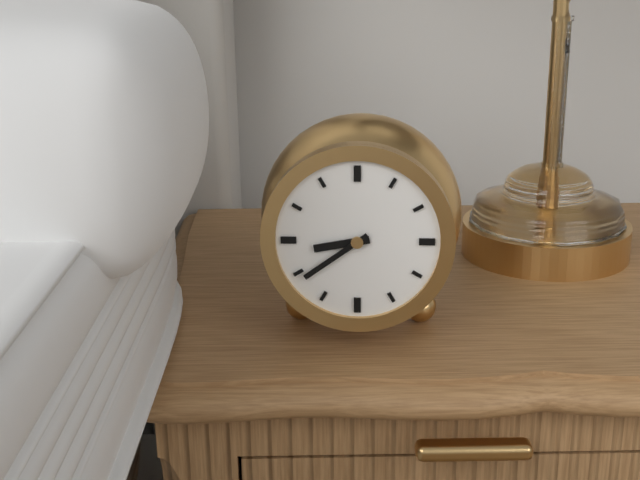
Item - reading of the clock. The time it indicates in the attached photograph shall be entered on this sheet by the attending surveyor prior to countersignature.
8:39
